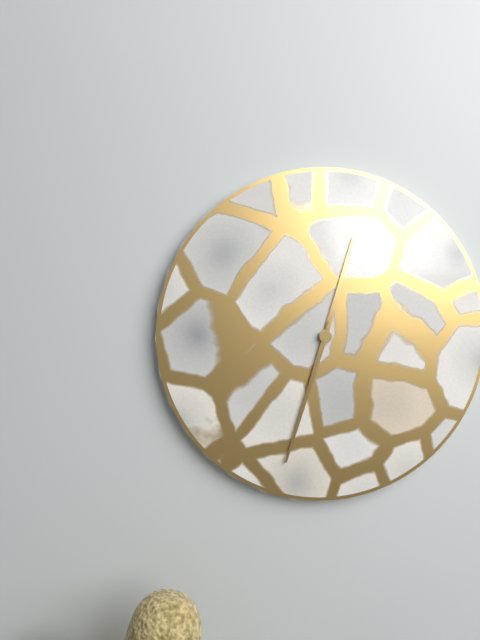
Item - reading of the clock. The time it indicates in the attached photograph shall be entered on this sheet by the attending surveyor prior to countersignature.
12:33
